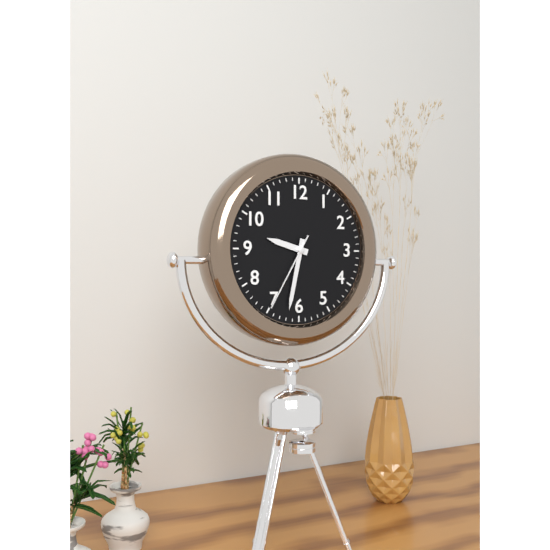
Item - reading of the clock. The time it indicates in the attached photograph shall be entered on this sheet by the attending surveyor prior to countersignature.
9:32:35
